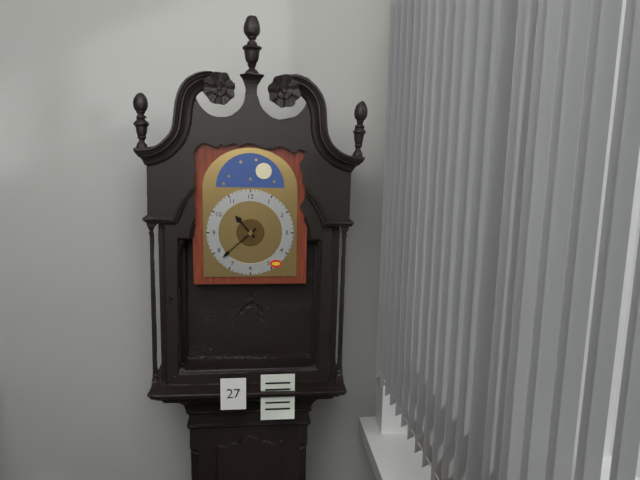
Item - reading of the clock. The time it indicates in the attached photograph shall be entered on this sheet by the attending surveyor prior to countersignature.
10:38
